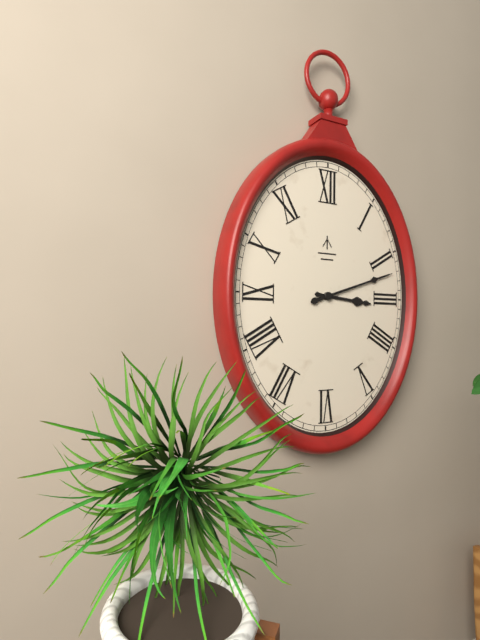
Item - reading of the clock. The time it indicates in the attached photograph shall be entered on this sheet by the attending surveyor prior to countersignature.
3:12
